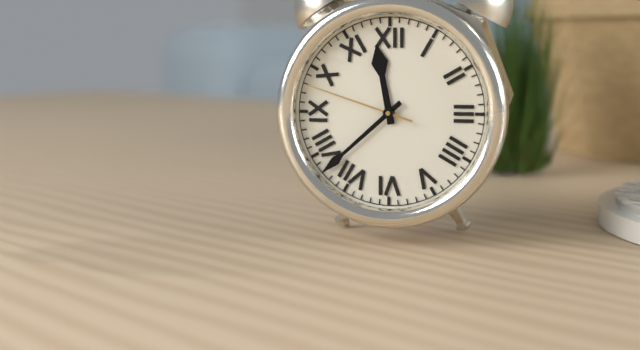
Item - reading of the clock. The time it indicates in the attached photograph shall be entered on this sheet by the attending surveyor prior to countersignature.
11:38:48
